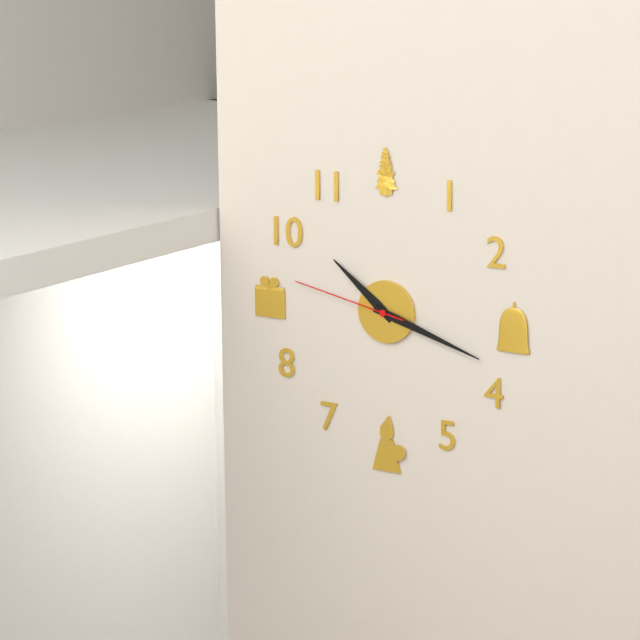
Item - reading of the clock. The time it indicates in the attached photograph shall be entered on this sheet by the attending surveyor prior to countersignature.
10:18:47
